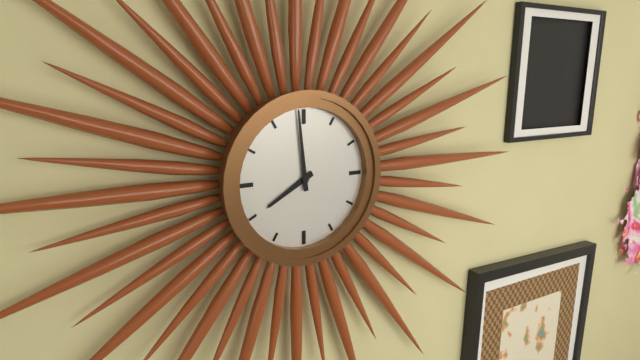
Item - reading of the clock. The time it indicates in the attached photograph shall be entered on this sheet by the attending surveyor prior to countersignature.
7:59
